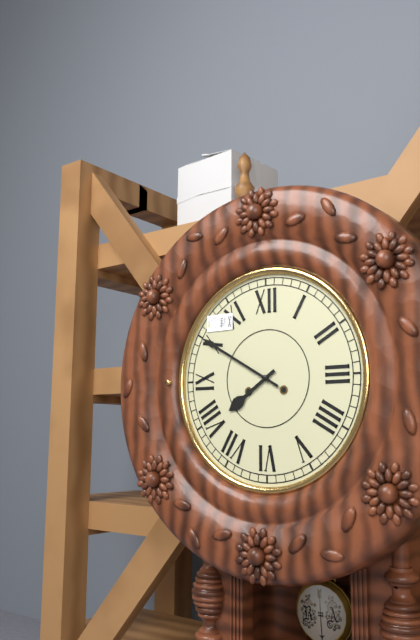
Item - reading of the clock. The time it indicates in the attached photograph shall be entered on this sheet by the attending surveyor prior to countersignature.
7:50
